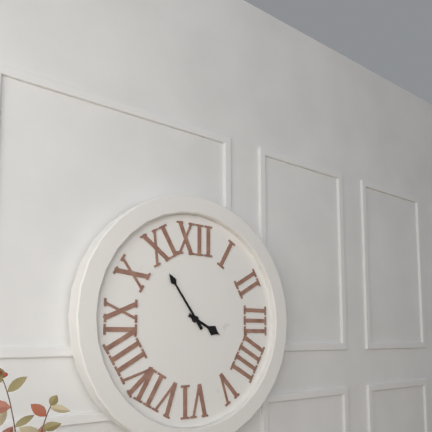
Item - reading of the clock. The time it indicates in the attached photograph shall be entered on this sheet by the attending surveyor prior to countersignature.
3:54
